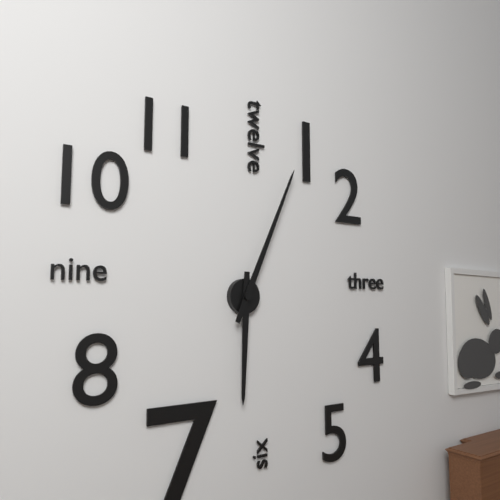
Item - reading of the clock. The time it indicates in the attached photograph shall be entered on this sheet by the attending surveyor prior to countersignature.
6:04
